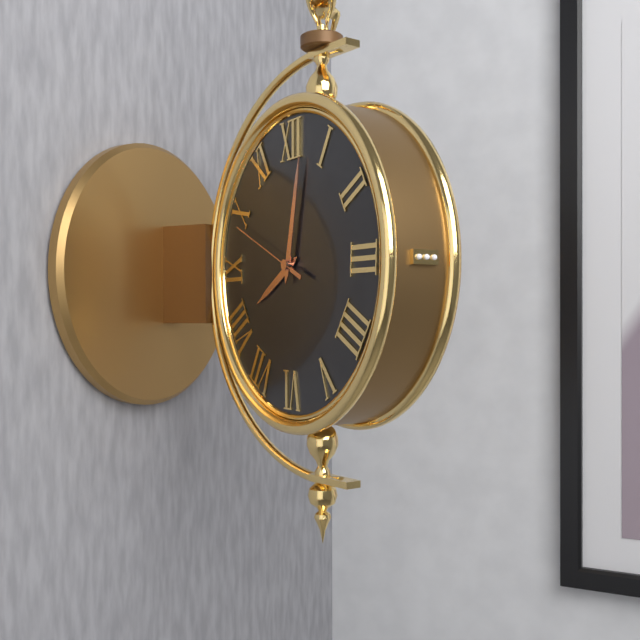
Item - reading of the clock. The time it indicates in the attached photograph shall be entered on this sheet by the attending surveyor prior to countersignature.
8:02:49
